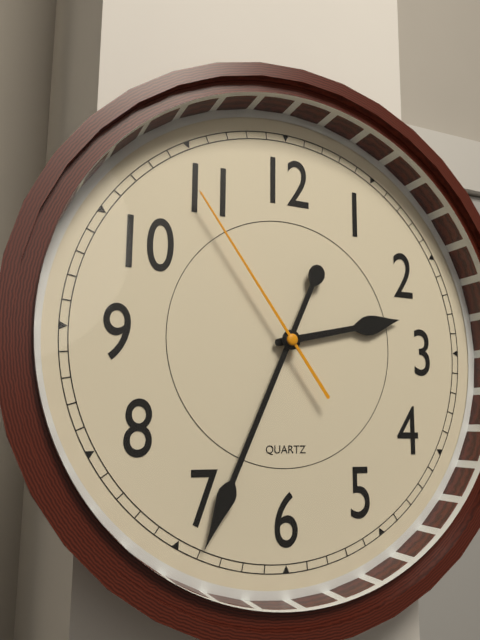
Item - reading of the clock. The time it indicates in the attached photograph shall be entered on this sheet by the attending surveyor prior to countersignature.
2:34:54
